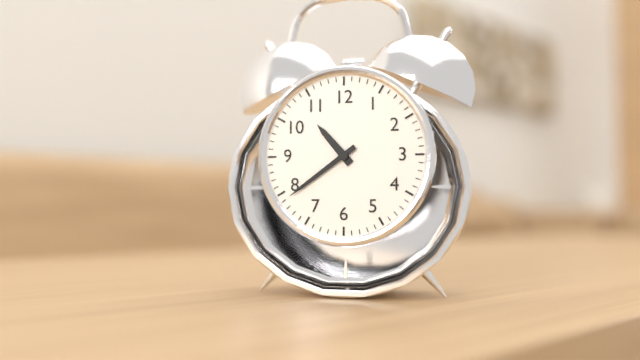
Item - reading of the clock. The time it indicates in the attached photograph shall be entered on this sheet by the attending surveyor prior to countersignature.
10:39
